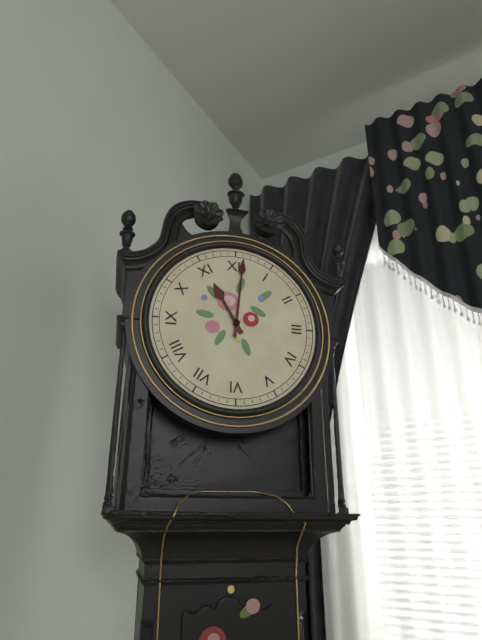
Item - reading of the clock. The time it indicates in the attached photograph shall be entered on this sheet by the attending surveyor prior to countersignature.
11:01
